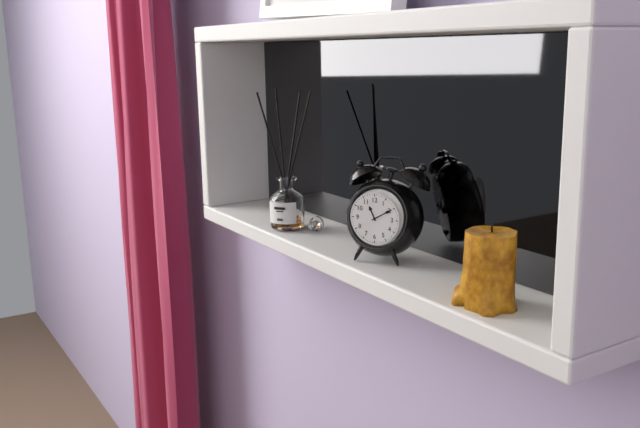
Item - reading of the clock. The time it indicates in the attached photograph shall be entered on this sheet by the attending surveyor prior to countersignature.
11:10
